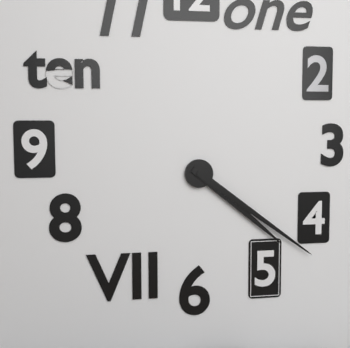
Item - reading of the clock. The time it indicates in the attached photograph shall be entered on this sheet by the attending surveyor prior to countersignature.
4:21
